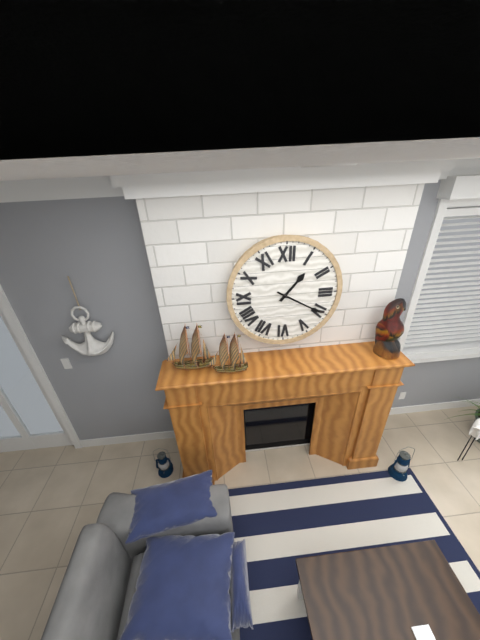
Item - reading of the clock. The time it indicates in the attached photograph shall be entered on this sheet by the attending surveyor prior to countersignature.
1:20
